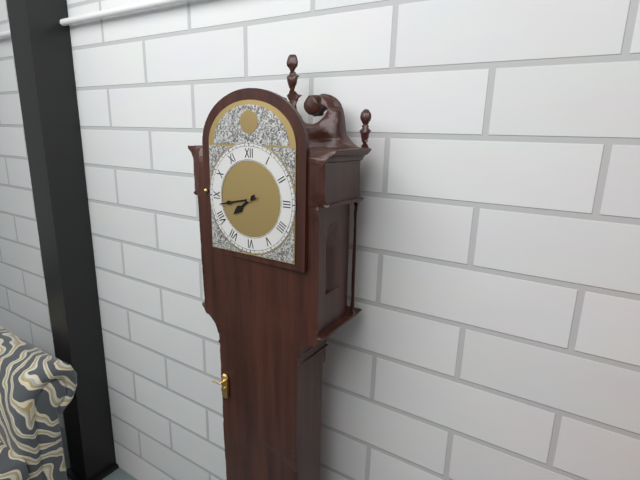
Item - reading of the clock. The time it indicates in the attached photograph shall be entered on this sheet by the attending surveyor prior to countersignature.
7:43
